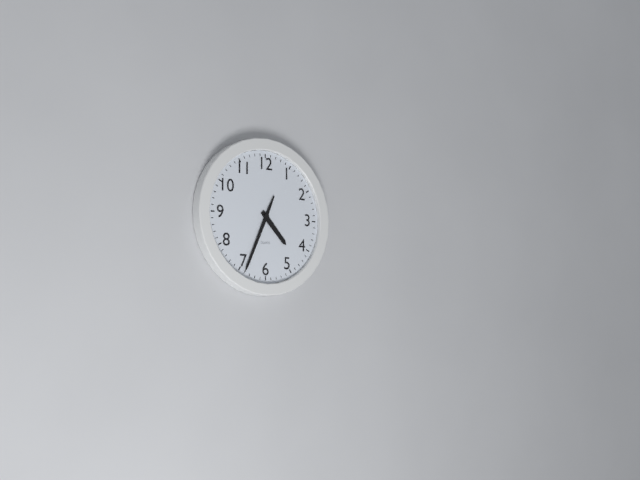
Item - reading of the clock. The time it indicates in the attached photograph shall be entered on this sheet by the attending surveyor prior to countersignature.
4:34
